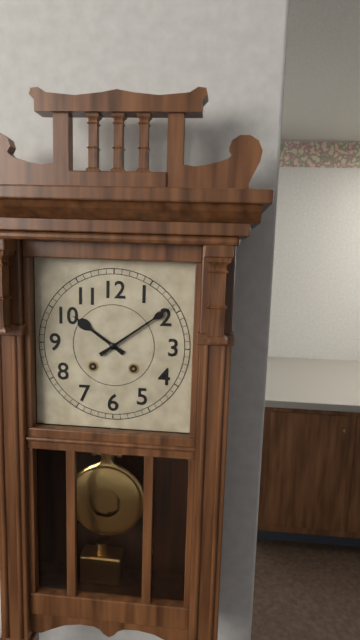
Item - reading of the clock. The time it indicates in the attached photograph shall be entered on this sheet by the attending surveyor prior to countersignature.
10:09
